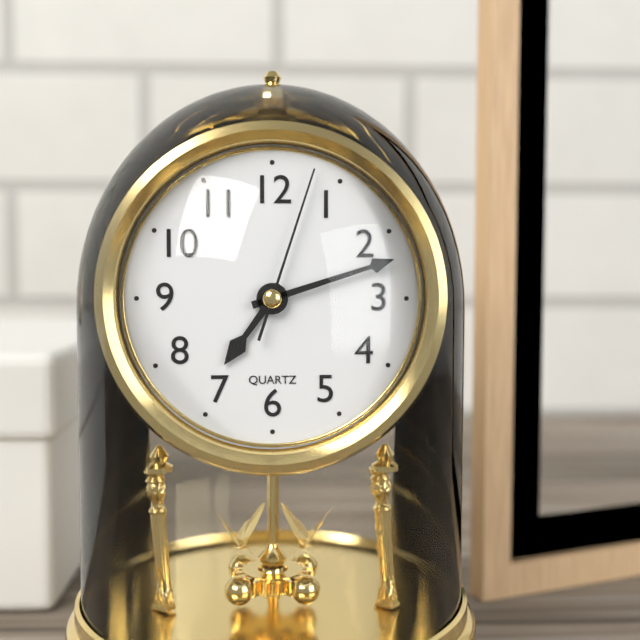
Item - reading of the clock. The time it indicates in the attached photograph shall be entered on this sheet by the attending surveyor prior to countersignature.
7:12:03
